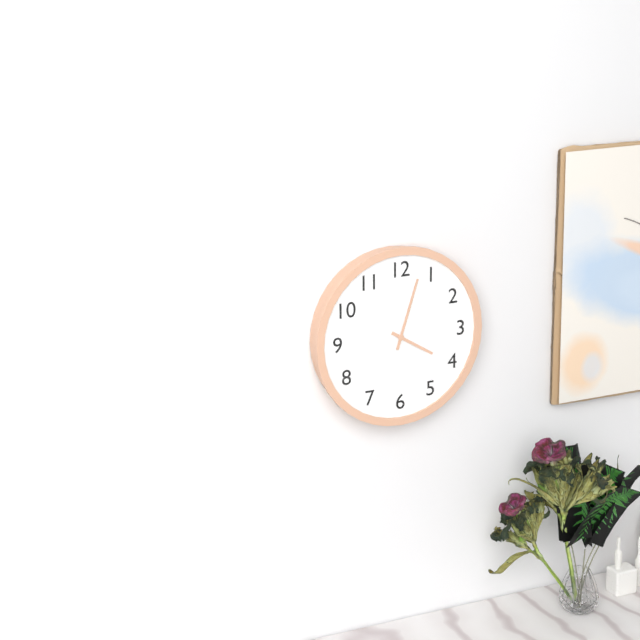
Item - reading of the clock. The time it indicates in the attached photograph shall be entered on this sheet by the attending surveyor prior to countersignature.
4:03
